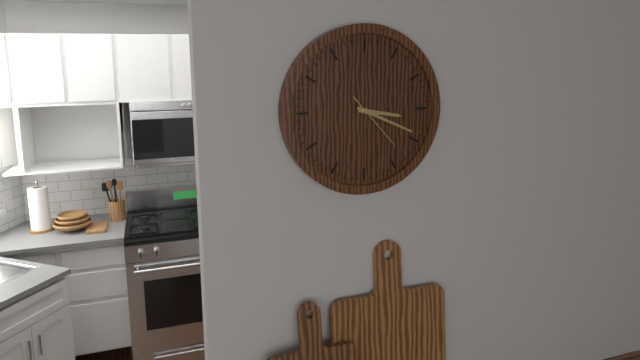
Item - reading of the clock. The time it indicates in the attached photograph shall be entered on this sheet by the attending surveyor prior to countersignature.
3:19:23
